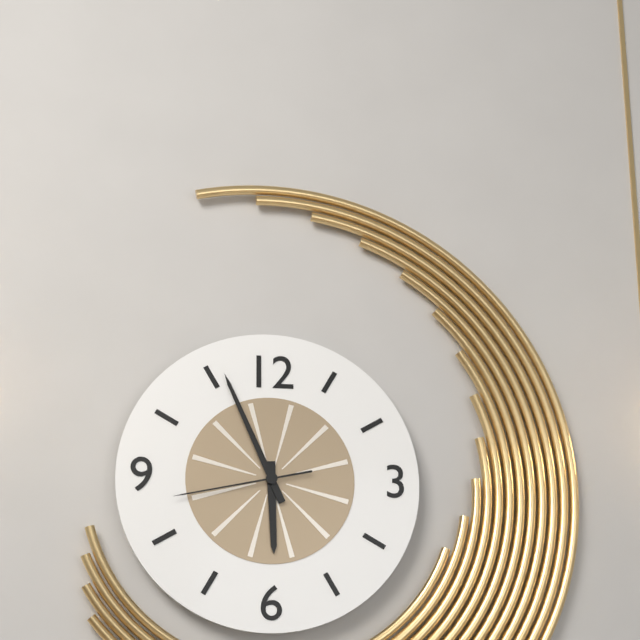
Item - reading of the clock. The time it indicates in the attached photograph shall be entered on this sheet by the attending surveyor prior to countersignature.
5:56:43
